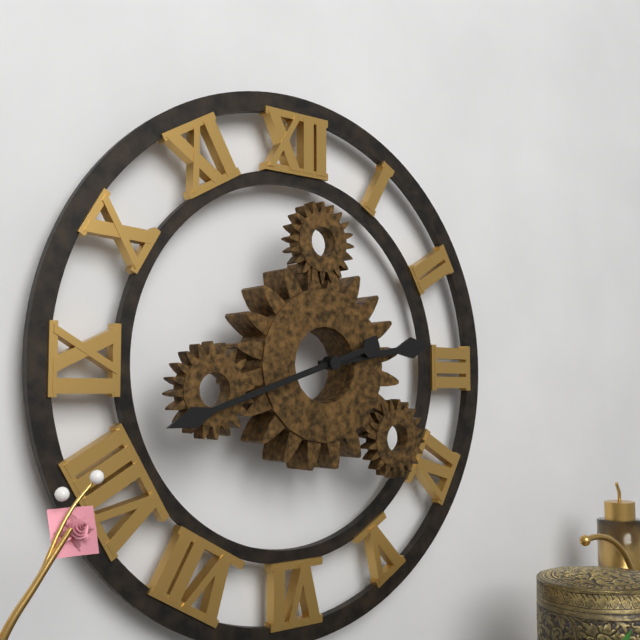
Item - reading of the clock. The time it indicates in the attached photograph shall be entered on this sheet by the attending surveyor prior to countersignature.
2:42
